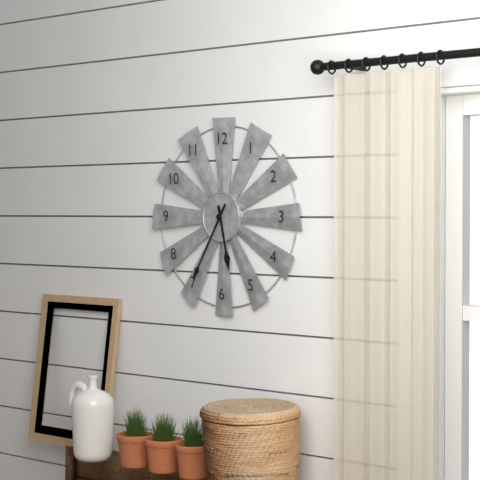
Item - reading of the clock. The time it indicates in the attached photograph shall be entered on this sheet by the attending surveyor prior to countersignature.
5:35
